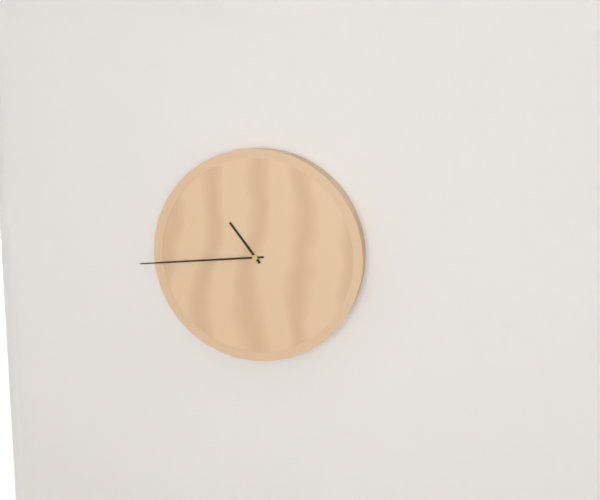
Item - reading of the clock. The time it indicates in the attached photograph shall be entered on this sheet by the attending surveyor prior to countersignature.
10:44
